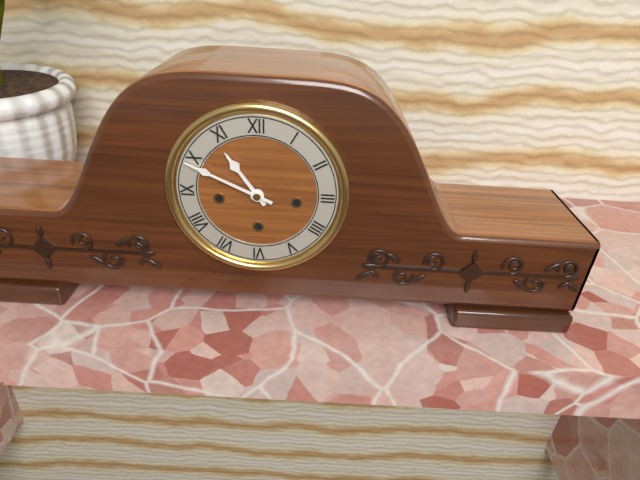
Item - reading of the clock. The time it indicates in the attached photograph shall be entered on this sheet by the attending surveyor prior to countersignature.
10:49
